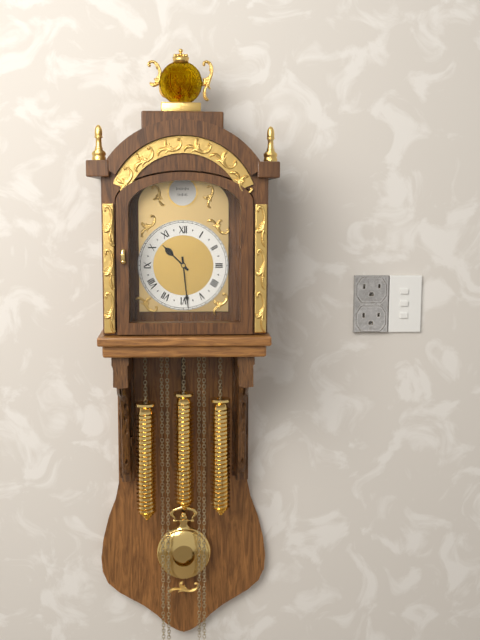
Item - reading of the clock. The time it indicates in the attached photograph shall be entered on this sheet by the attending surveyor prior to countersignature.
10:29
